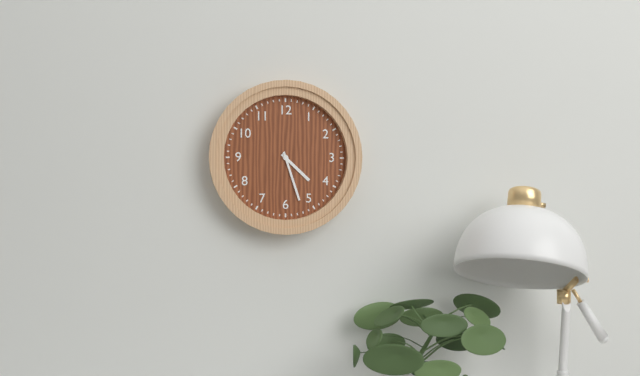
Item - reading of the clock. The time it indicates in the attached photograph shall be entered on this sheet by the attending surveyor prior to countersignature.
4:27
